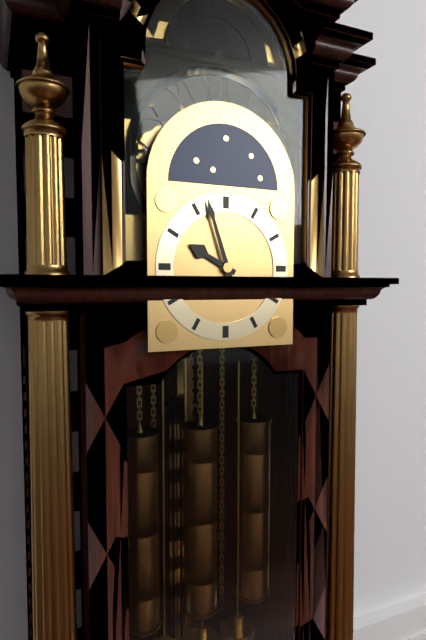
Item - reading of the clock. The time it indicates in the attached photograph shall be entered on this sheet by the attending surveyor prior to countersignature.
9:57
